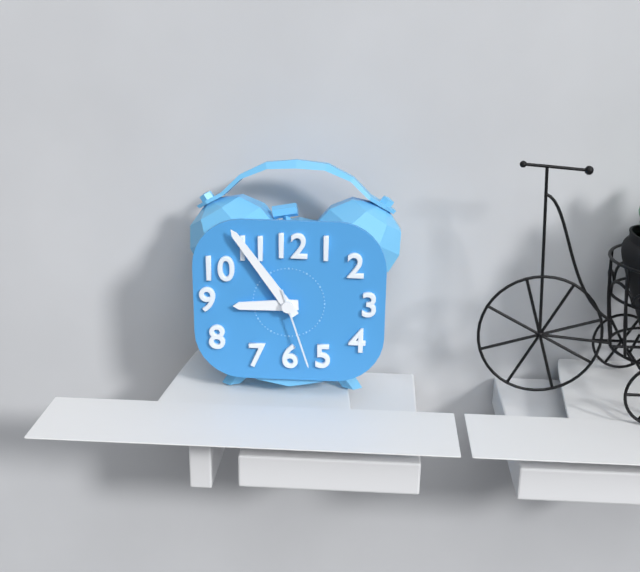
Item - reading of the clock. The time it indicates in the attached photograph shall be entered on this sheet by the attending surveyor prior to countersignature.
8:54:27
